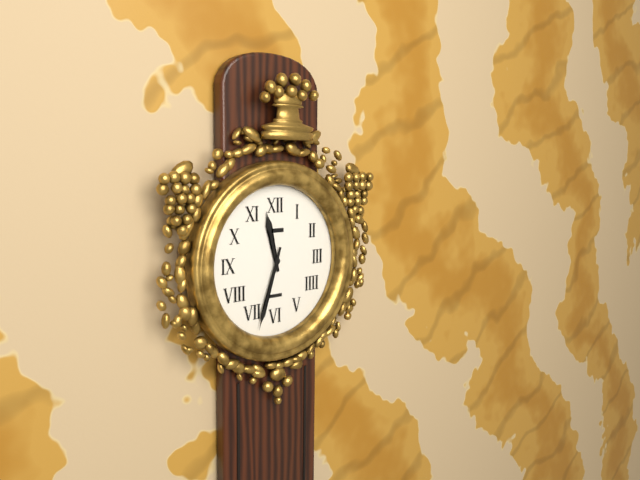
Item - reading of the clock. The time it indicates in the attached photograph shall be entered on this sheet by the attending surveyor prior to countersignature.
11:33
